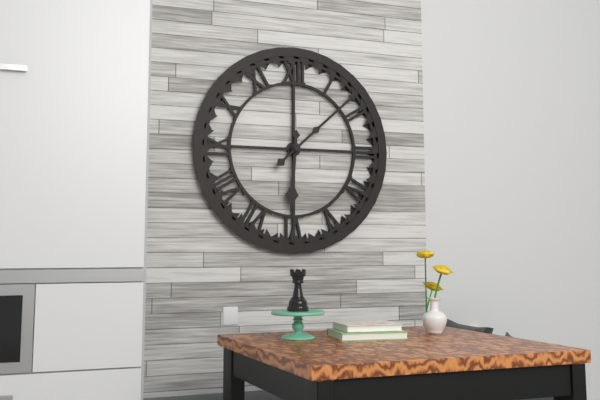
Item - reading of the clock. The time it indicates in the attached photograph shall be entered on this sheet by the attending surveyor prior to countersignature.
6:08
